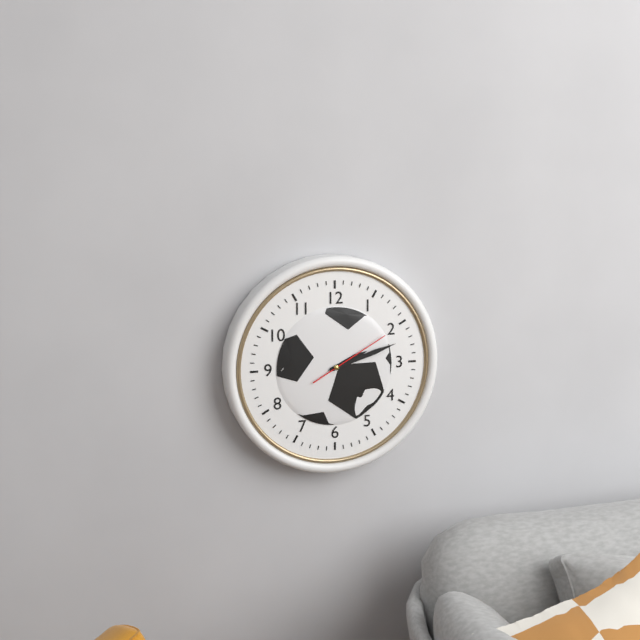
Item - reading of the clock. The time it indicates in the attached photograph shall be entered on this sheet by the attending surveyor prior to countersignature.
2:12:10
